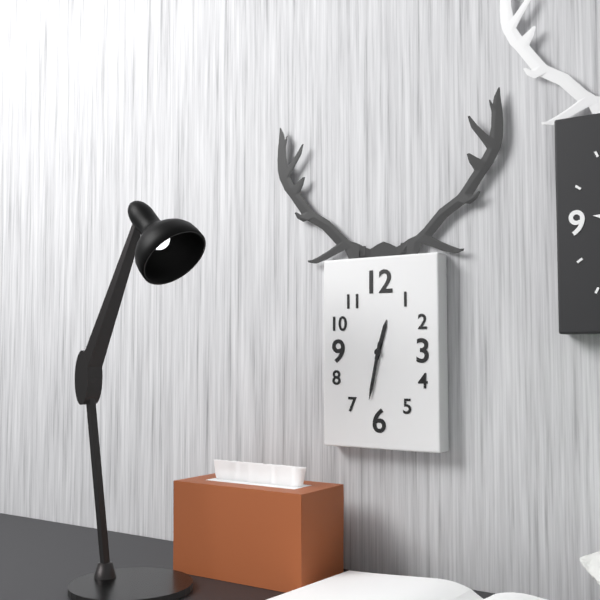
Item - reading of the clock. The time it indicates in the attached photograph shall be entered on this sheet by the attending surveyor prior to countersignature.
12:32
